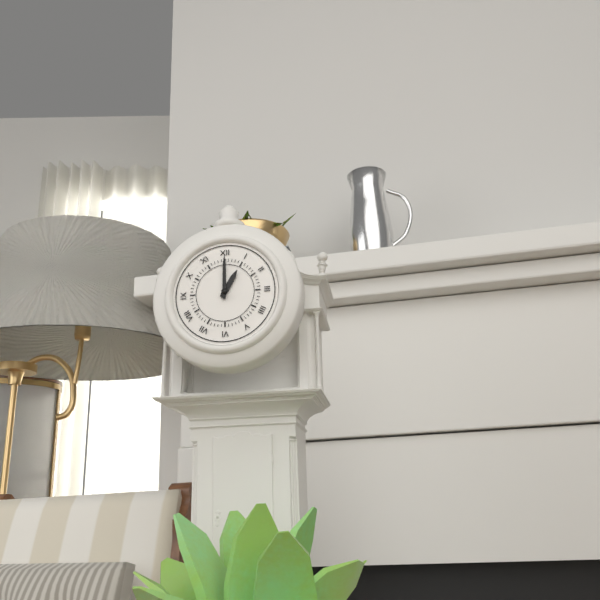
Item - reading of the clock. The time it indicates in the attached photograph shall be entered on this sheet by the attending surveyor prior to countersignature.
1:00
